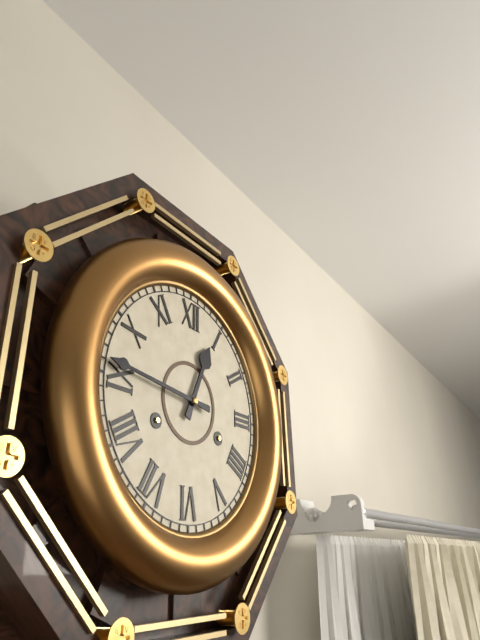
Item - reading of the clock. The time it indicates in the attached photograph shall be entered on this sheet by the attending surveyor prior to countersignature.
12:46
